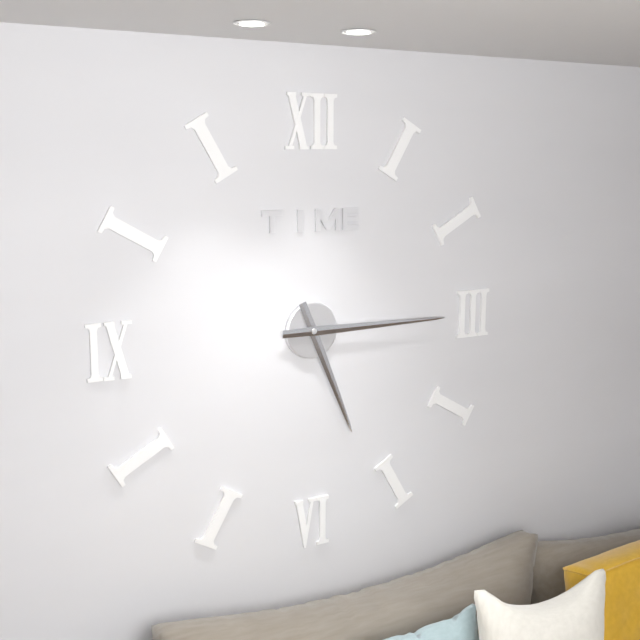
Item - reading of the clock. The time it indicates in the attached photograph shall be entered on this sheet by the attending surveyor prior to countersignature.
5:15
